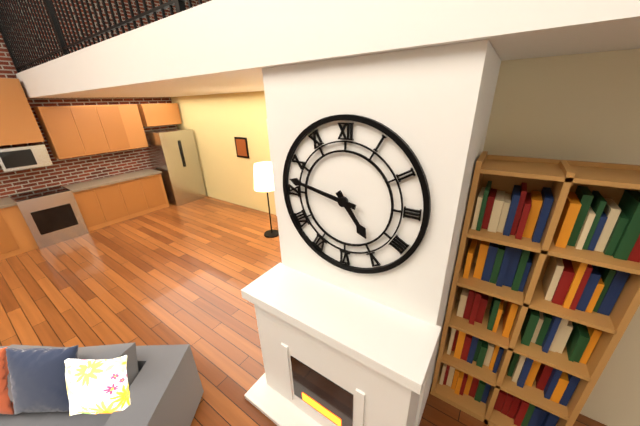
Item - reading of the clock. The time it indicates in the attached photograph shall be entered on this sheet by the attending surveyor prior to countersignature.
4:47
